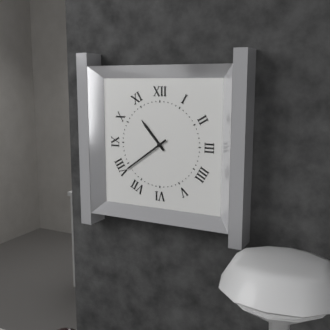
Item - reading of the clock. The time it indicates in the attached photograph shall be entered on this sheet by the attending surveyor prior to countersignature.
10:39
